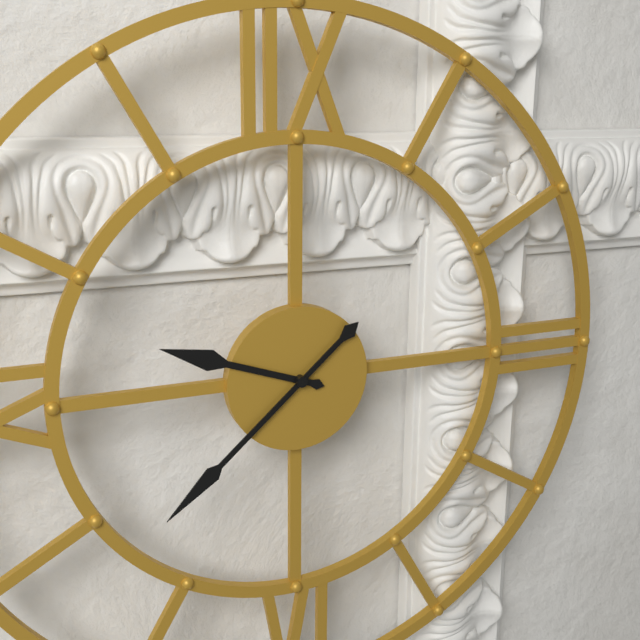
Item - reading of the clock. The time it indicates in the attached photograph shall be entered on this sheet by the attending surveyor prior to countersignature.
9:38
